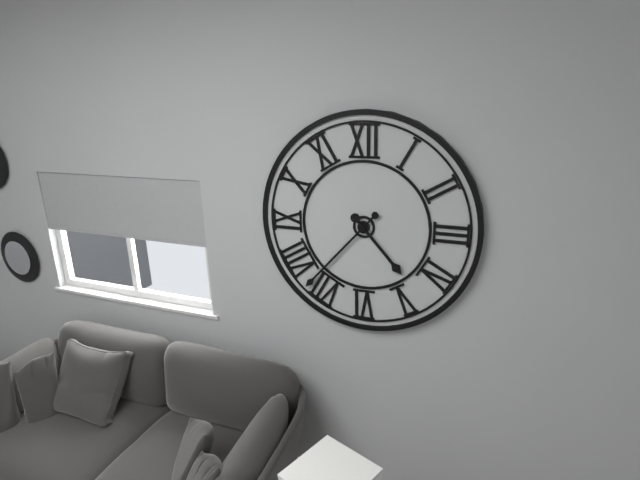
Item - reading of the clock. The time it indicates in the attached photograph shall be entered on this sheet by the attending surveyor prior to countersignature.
4:37
